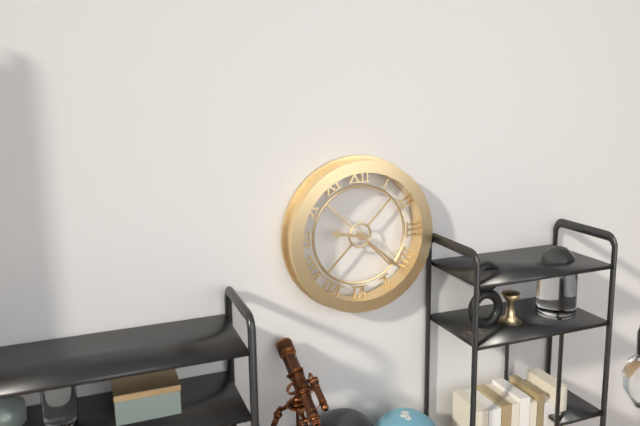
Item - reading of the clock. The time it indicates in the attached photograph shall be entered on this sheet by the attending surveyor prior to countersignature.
9:22
